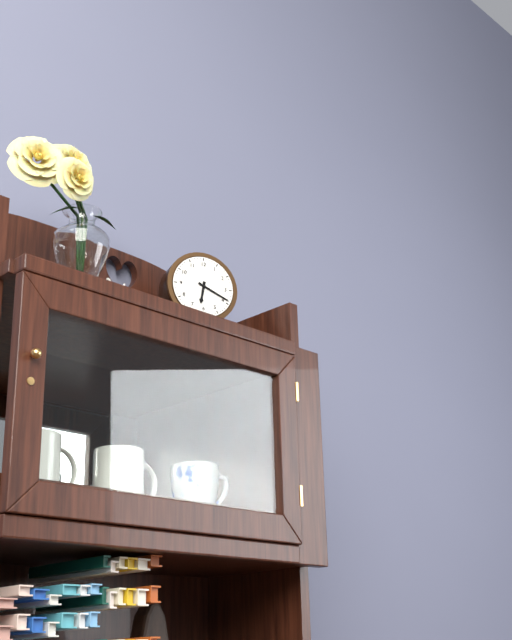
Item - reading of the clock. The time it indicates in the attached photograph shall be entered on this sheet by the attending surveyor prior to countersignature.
6:19
